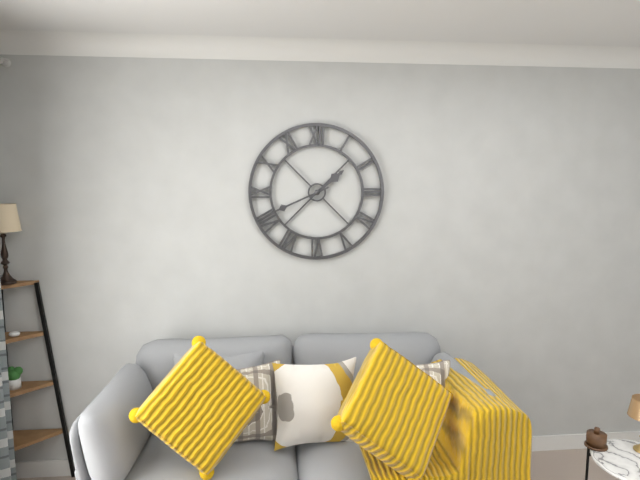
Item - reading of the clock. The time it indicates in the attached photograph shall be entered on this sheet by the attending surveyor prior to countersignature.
1:41
